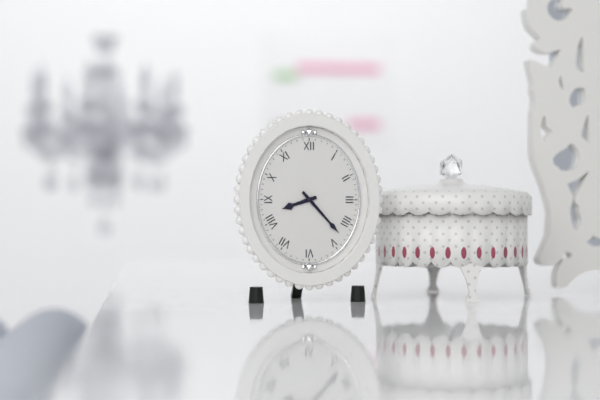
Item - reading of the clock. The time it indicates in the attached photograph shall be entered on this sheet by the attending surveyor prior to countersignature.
8:23
